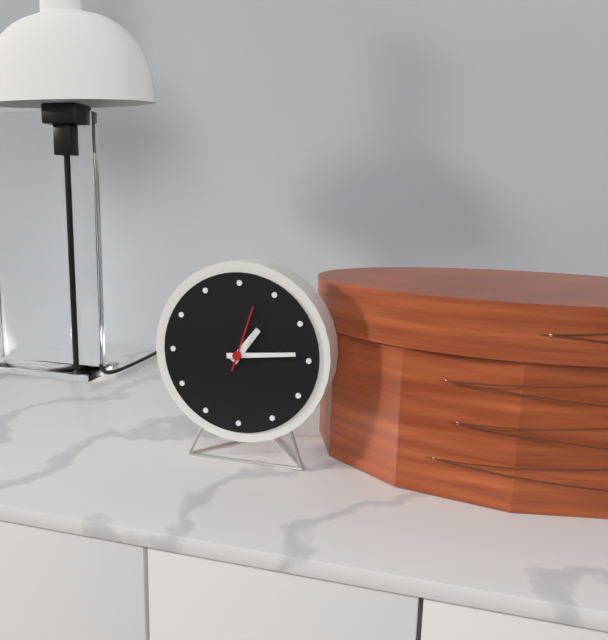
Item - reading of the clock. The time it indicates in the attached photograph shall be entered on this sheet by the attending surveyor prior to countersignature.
1:14:03
